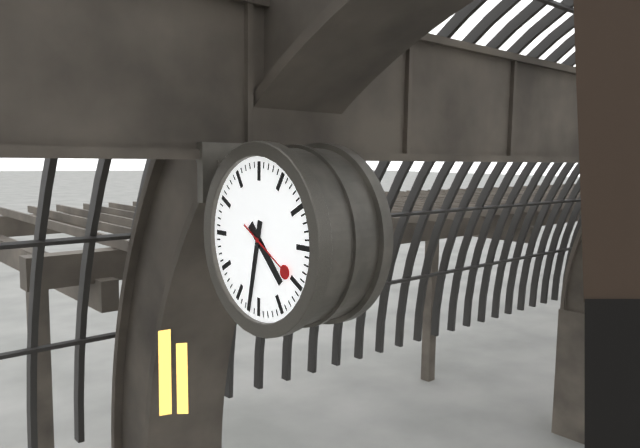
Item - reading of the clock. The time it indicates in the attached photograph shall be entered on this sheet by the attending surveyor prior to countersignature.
4:32:20
